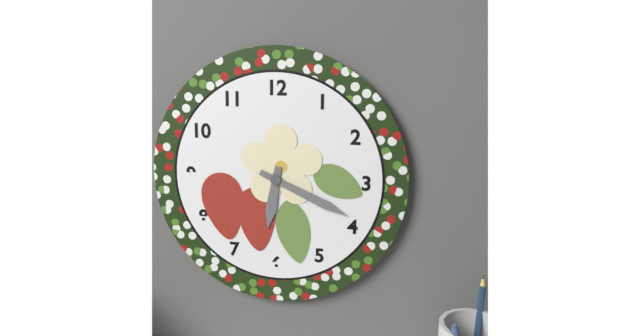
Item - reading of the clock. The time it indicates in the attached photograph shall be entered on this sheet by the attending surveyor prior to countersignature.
6:19
